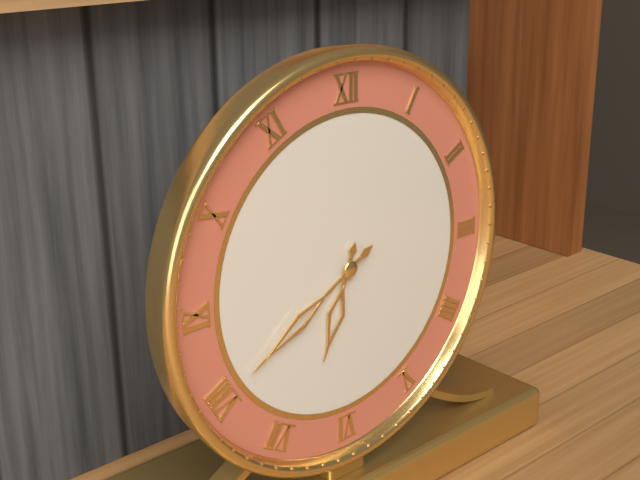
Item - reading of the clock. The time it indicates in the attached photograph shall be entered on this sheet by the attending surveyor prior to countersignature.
6:40
